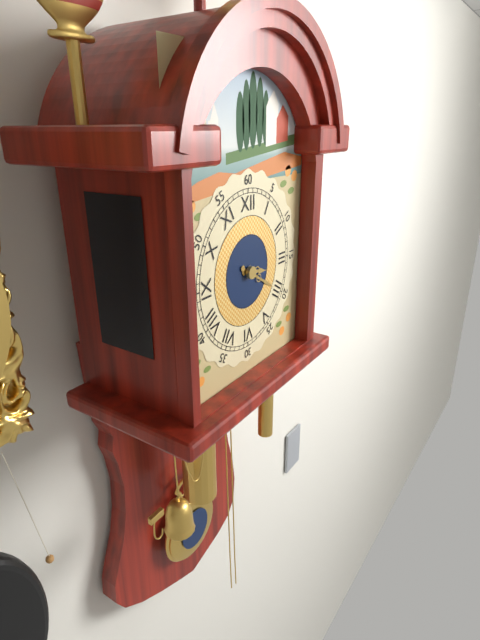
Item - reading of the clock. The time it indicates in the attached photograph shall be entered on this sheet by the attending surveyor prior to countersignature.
3:20
